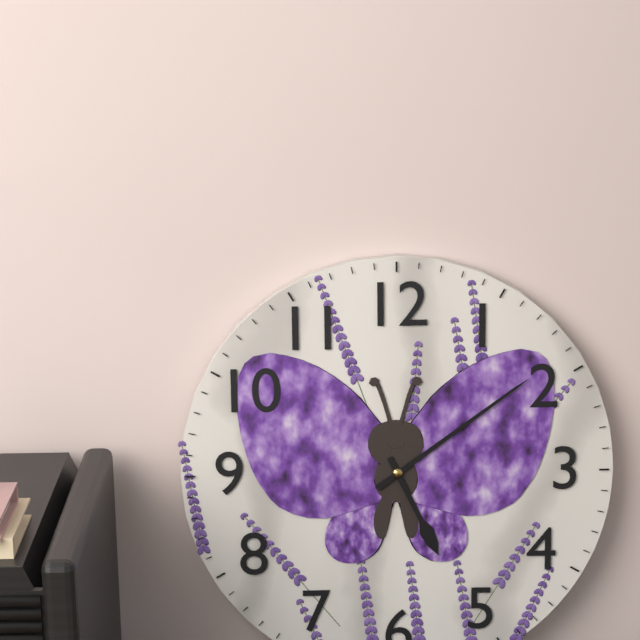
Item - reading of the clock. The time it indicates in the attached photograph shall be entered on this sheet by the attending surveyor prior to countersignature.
5:09
